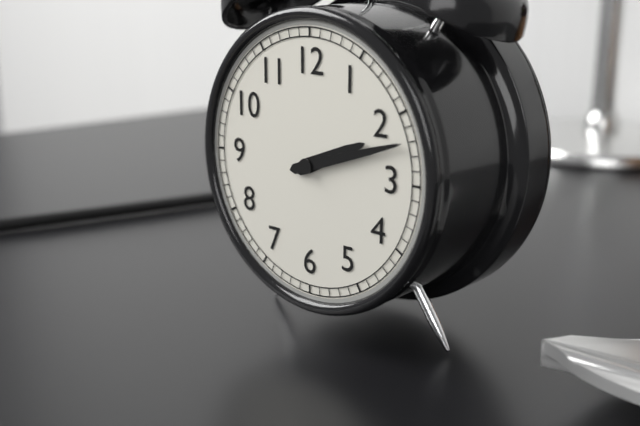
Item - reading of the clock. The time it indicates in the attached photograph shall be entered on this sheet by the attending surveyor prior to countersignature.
2:12
